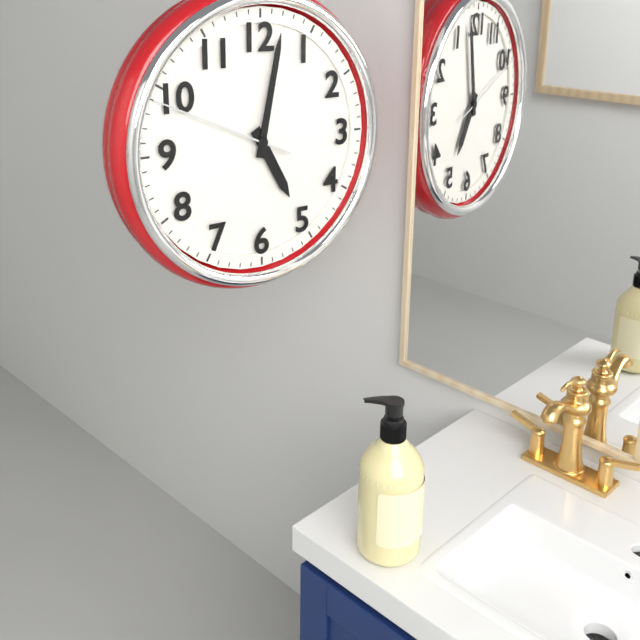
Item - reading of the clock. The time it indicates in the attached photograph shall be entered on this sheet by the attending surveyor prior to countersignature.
5:02:49
